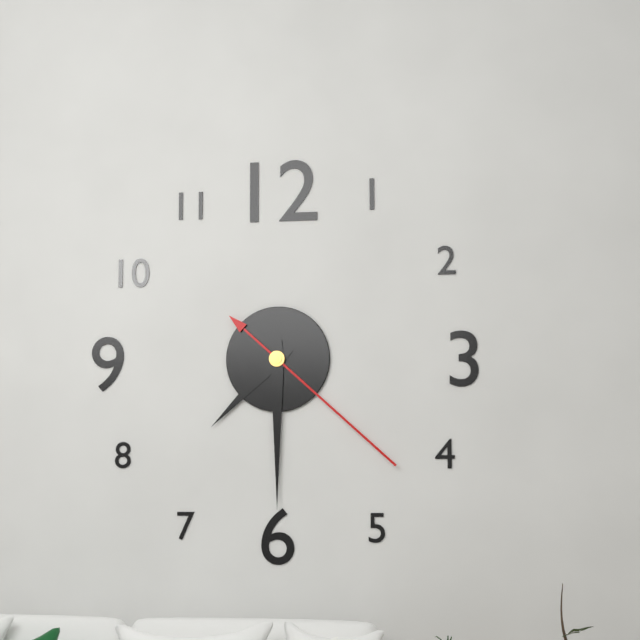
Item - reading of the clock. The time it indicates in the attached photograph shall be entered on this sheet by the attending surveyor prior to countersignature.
7:30:22
